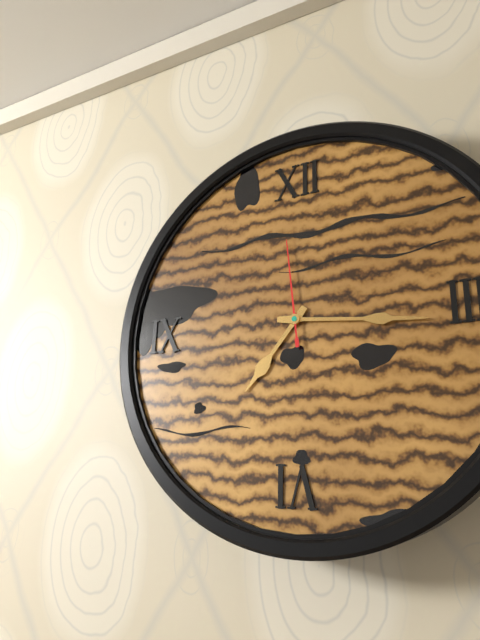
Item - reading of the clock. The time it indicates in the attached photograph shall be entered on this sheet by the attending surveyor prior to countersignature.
7:16:59
